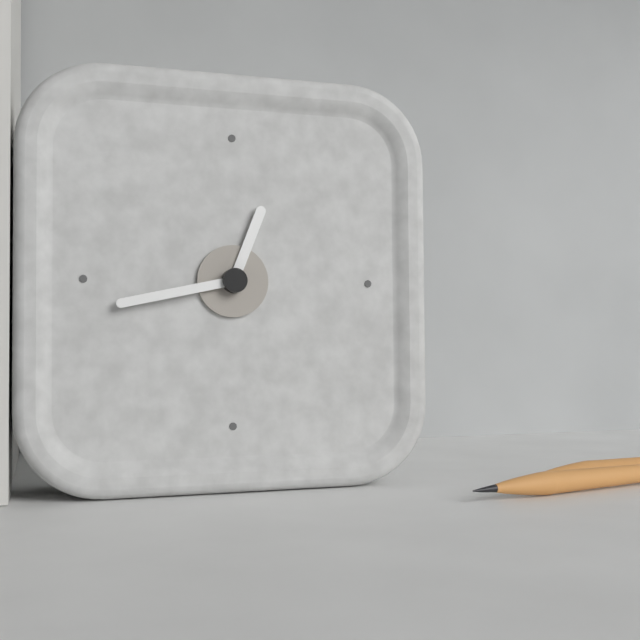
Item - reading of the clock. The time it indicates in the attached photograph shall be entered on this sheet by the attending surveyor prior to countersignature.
12:43
